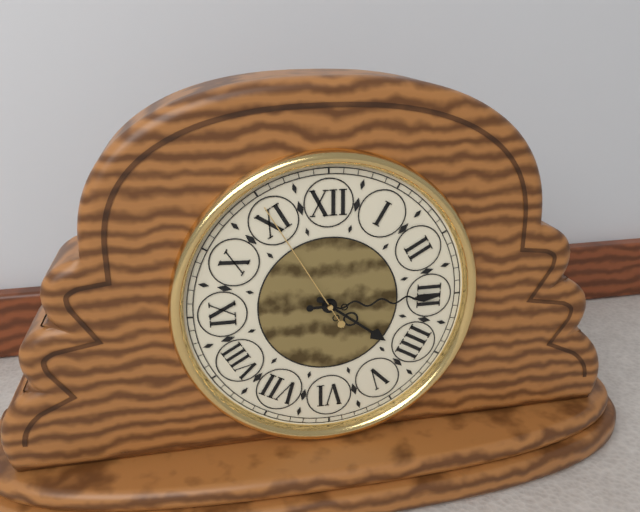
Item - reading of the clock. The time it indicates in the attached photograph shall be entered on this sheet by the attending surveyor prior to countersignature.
4:15:55
